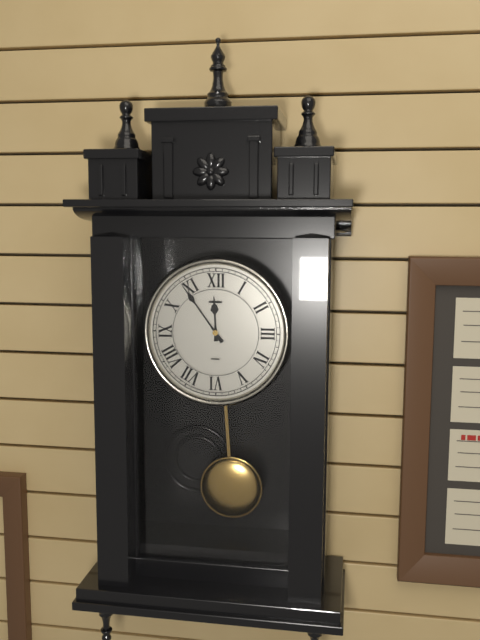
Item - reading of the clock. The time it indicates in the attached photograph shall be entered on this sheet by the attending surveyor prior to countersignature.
11:54
